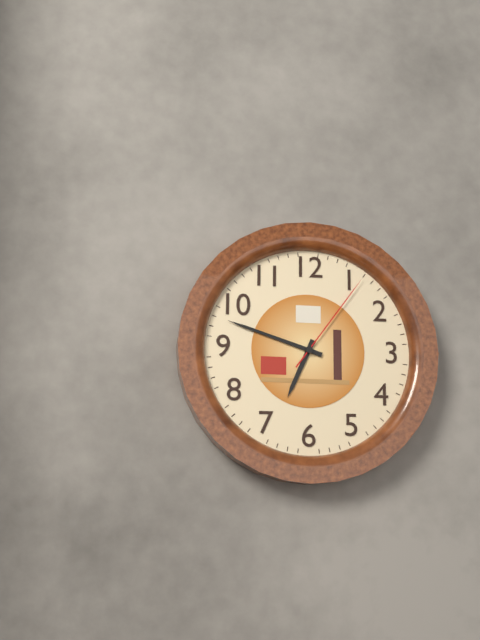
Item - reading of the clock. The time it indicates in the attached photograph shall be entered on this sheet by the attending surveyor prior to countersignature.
6:48:06
